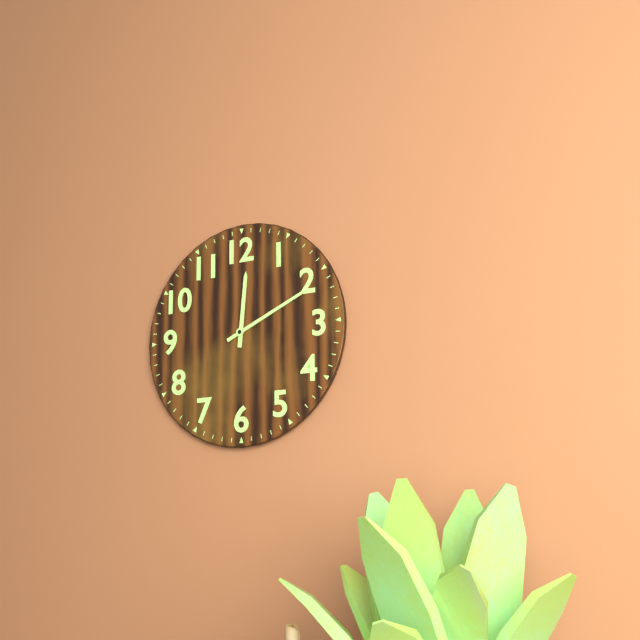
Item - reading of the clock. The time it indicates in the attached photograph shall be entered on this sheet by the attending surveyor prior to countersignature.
12:11
